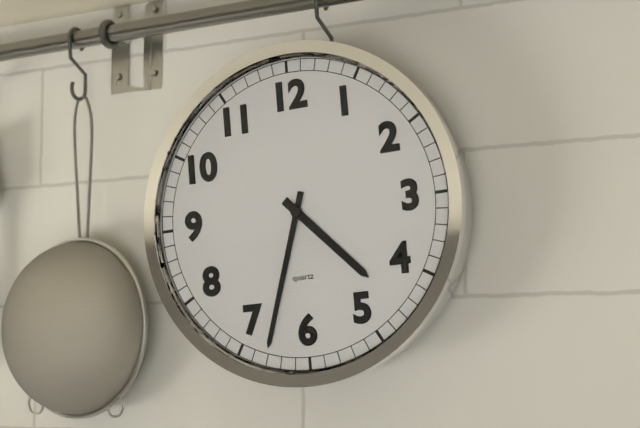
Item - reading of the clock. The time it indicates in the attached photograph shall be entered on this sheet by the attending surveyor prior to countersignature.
4:33
